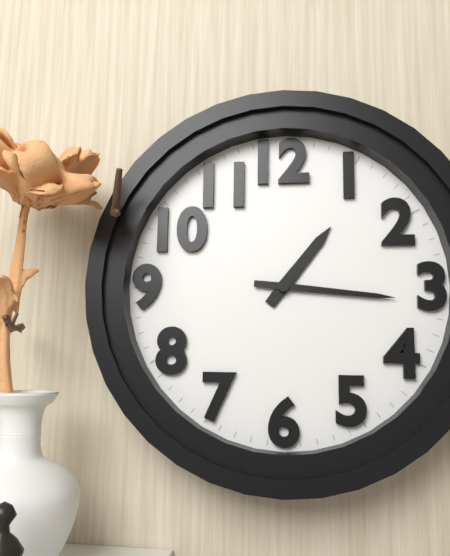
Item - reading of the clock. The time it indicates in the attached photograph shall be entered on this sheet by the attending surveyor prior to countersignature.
1:16
